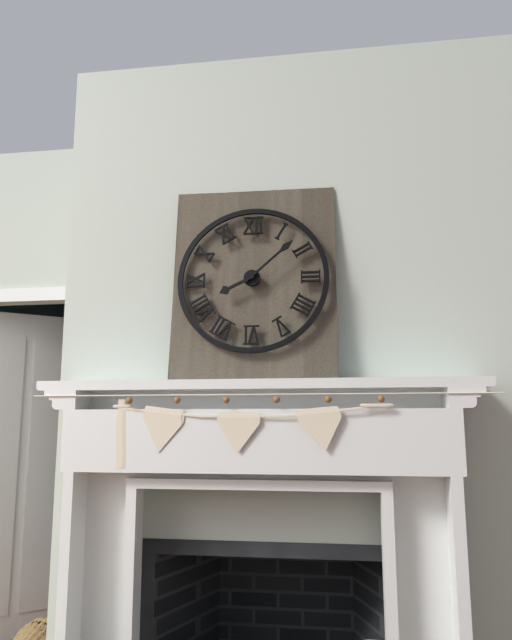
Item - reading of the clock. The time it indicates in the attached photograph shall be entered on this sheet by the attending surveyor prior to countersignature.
8:08
